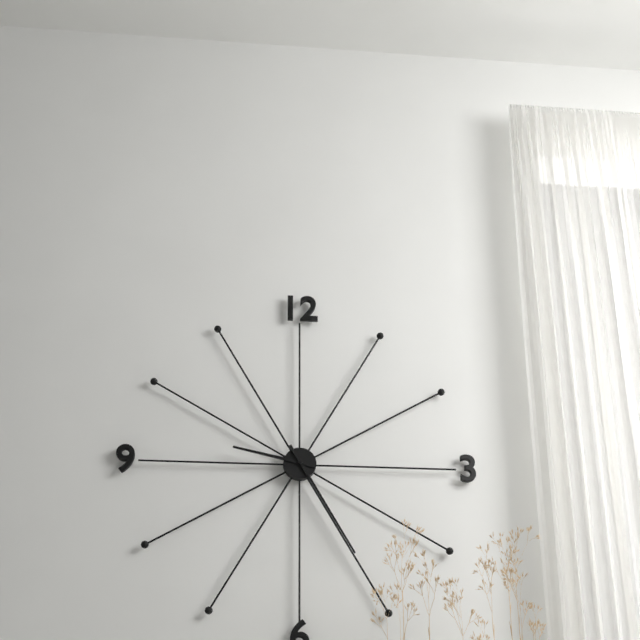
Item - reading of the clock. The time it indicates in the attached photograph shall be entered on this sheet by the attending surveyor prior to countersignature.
9:25
